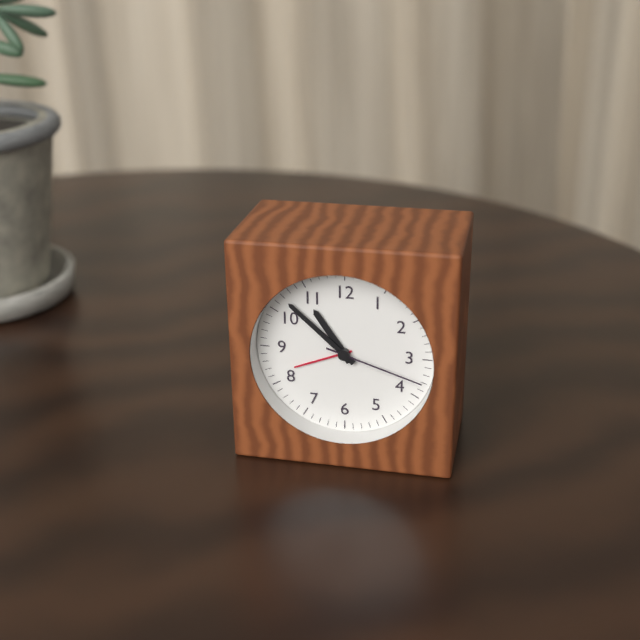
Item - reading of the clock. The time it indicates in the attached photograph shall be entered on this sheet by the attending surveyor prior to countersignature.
10:52:18
